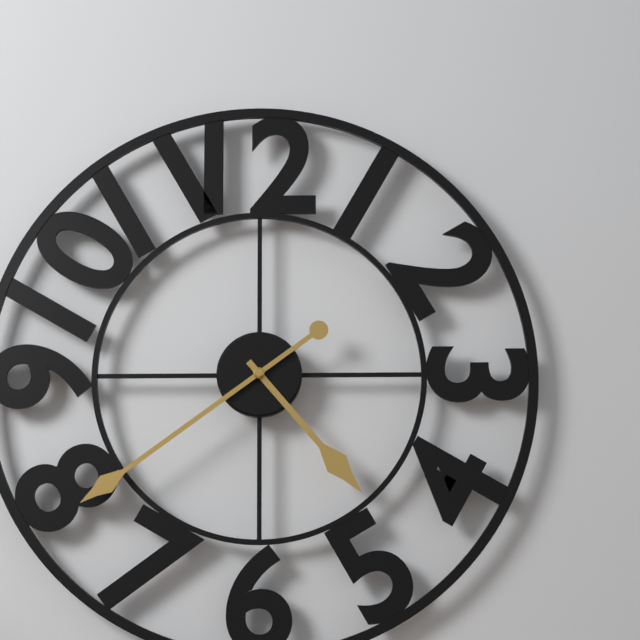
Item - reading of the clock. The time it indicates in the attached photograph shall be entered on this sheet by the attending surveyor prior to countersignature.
4:39
